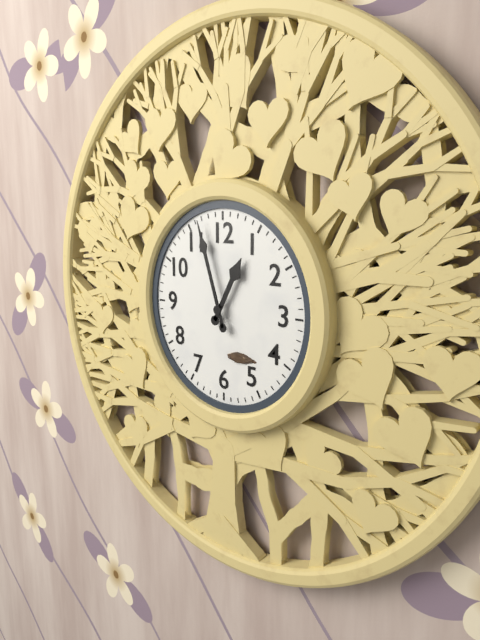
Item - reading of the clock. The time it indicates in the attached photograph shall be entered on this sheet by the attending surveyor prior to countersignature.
12:57
